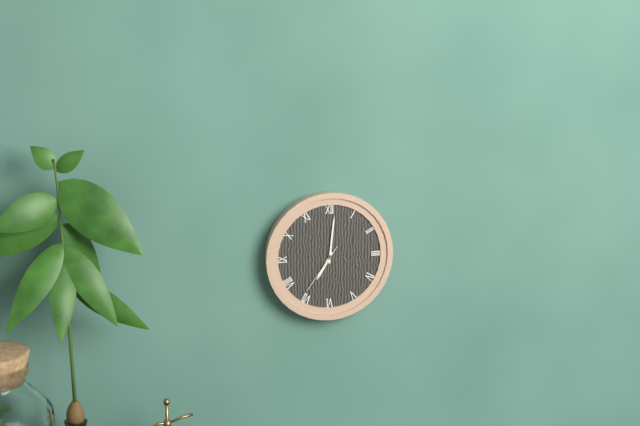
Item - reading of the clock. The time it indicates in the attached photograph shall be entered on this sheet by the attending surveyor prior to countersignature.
7:01:36
